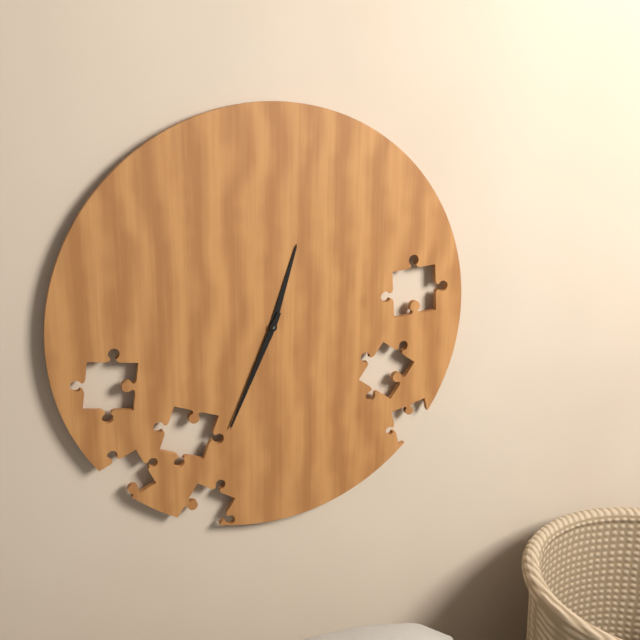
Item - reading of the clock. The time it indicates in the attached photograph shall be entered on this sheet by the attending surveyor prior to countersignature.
12:34
